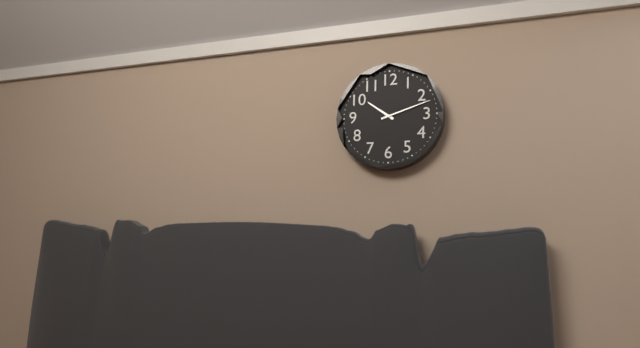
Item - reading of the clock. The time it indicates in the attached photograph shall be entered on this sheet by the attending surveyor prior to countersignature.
10:12
